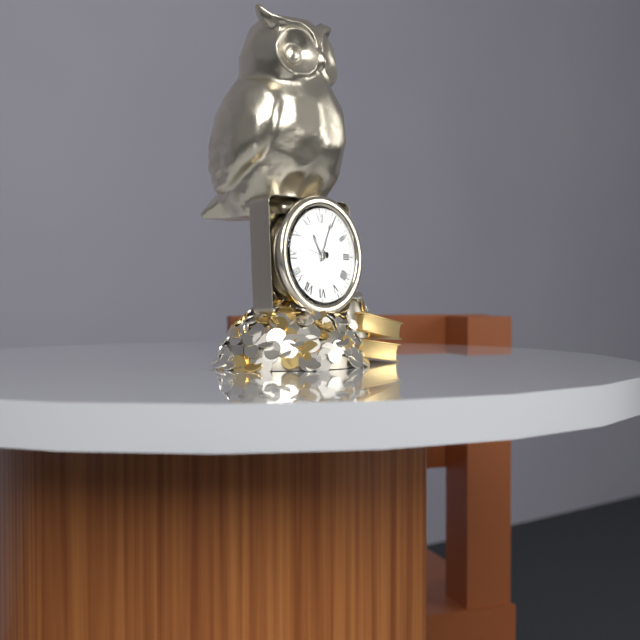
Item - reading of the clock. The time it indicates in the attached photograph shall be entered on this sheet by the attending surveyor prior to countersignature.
11:04
